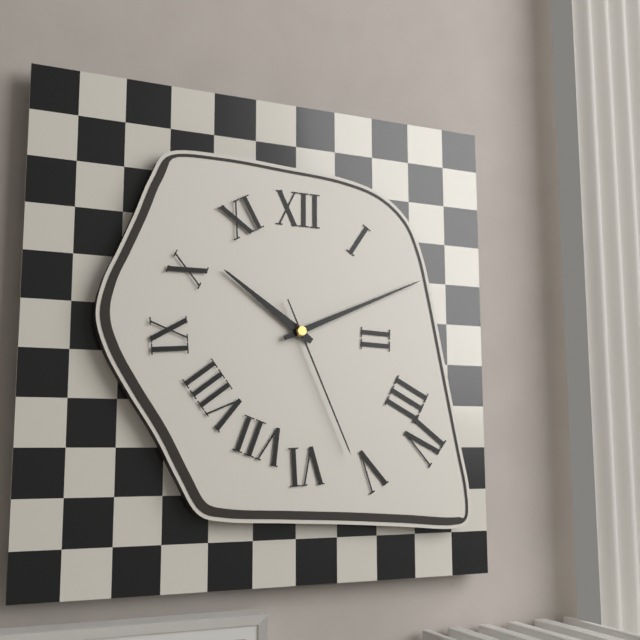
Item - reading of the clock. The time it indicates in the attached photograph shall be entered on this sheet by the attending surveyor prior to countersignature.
10:11:26
